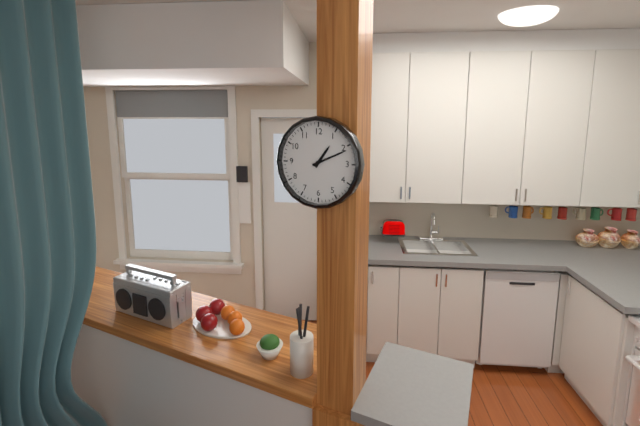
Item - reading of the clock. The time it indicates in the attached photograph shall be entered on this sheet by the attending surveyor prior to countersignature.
1:11
